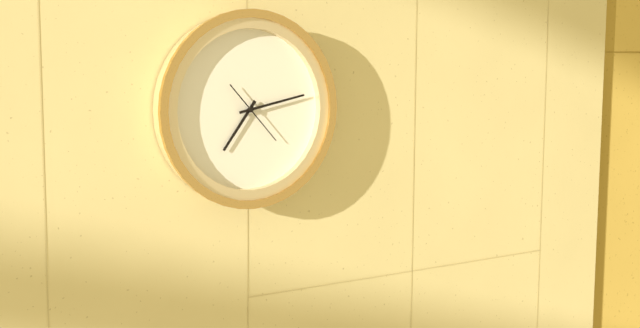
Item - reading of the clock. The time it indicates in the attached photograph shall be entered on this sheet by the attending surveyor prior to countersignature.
7:13:23
